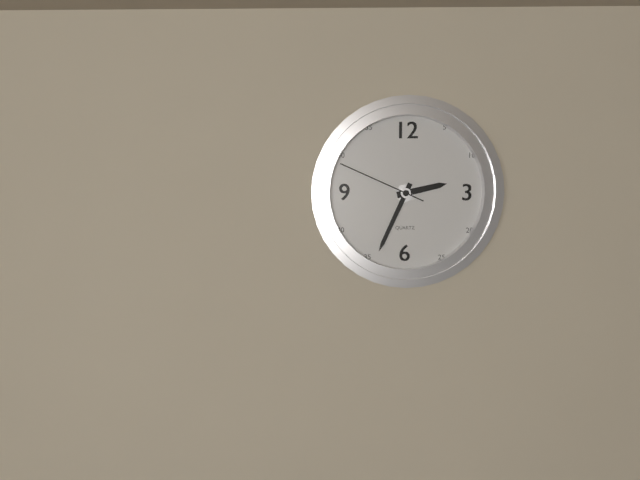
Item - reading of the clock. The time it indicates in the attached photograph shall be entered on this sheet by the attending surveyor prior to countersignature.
2:34:49
